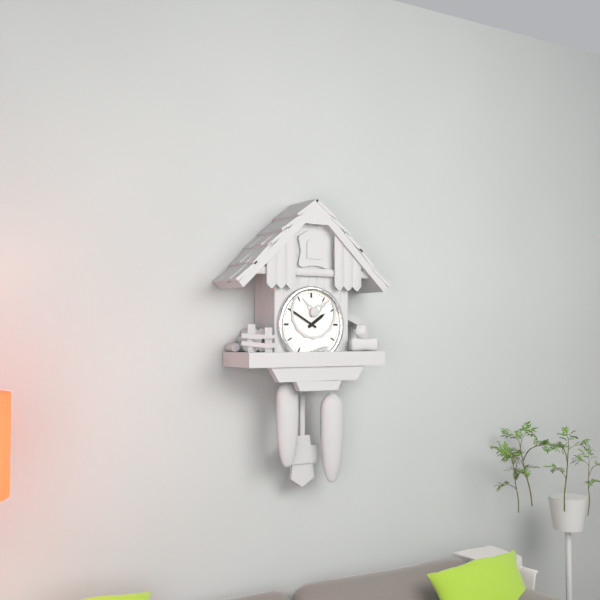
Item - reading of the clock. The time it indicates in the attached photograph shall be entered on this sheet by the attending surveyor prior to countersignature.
1:50
